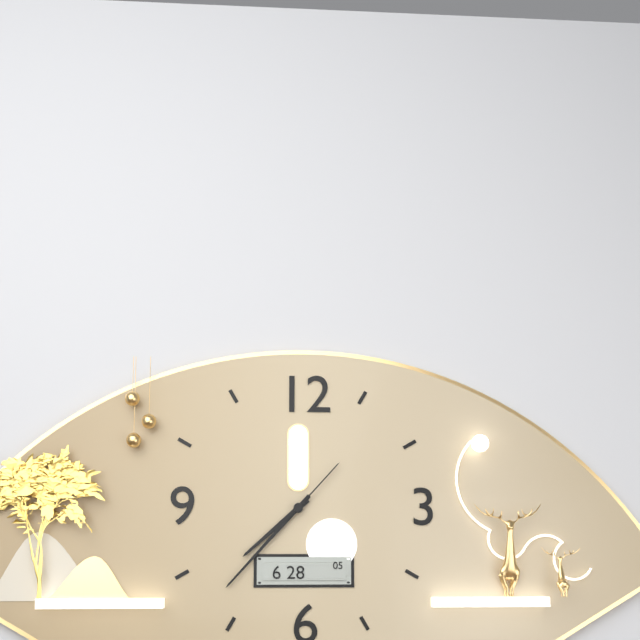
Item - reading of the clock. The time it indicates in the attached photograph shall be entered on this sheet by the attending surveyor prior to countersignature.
7:37:07
